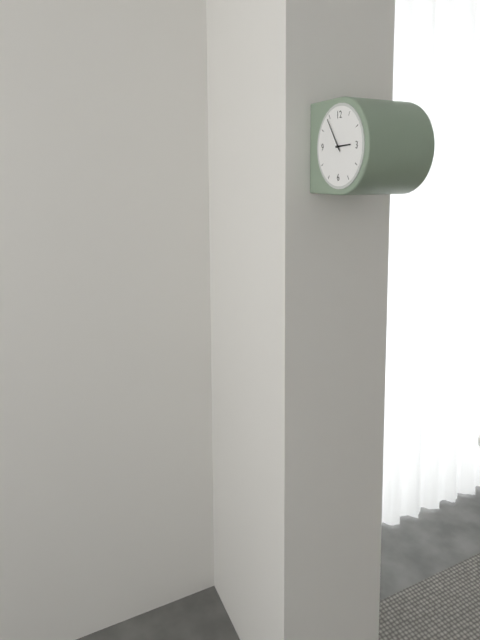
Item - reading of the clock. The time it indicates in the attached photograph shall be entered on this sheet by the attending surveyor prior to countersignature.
2:54
